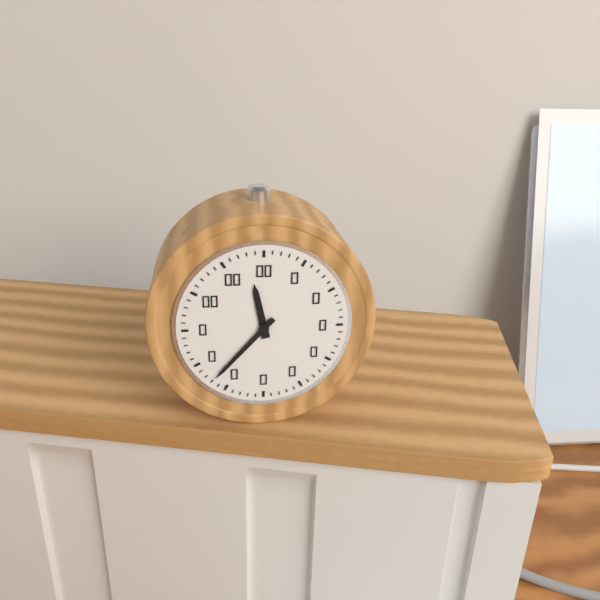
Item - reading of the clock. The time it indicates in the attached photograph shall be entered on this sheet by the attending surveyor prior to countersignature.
11:37
